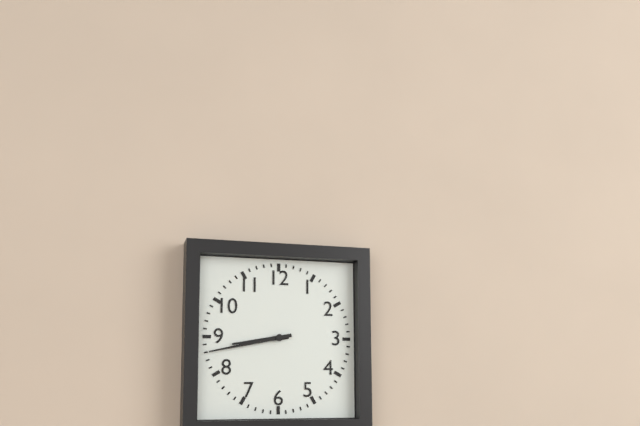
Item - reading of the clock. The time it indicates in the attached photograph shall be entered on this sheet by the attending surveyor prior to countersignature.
8:43
